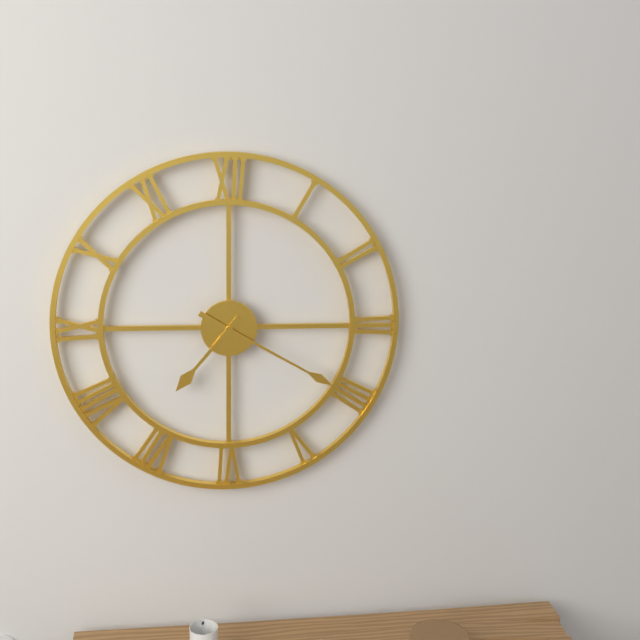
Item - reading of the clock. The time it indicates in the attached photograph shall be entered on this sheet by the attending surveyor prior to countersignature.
7:20
